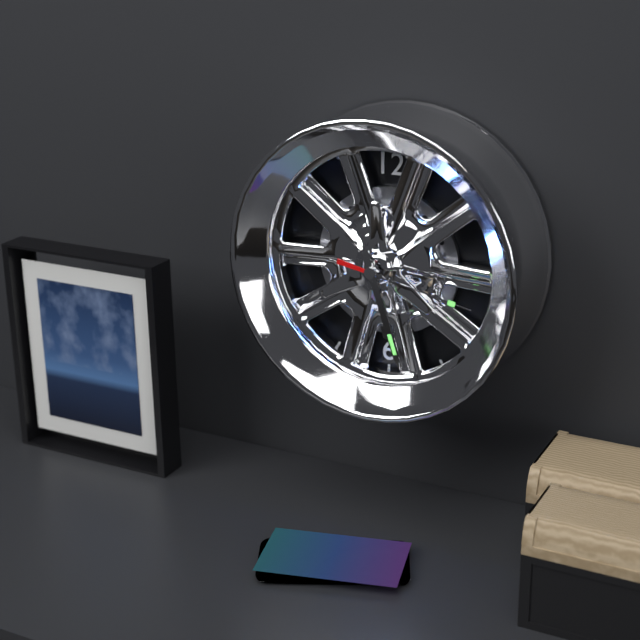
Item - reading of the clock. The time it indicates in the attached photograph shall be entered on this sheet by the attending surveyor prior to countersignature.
5:27:17
